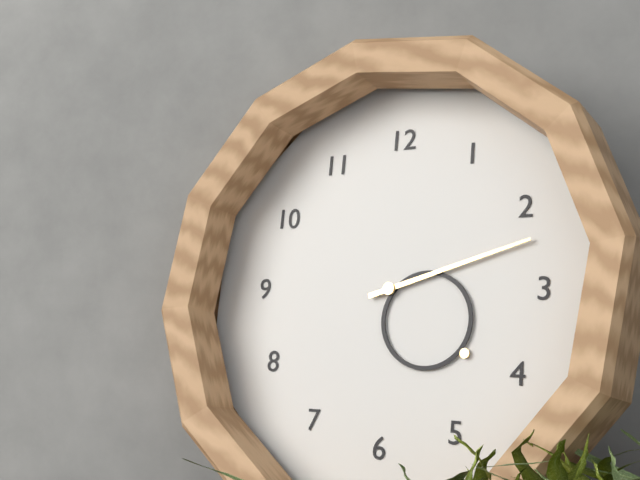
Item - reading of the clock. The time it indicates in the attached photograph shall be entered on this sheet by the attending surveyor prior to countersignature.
4:12
